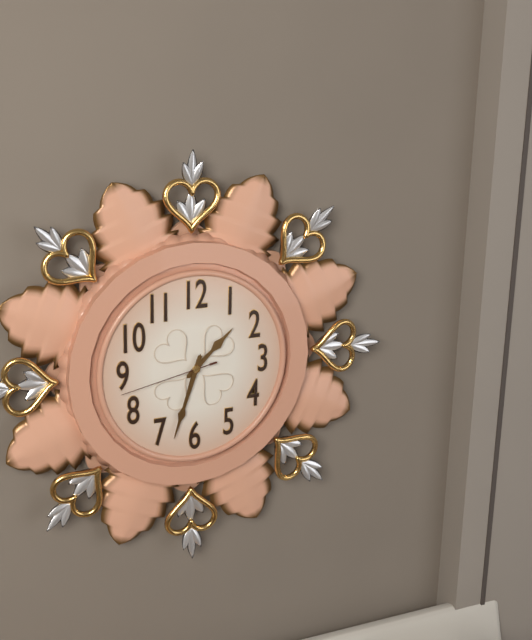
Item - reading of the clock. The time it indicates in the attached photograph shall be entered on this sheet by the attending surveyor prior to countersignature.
1:33:43
